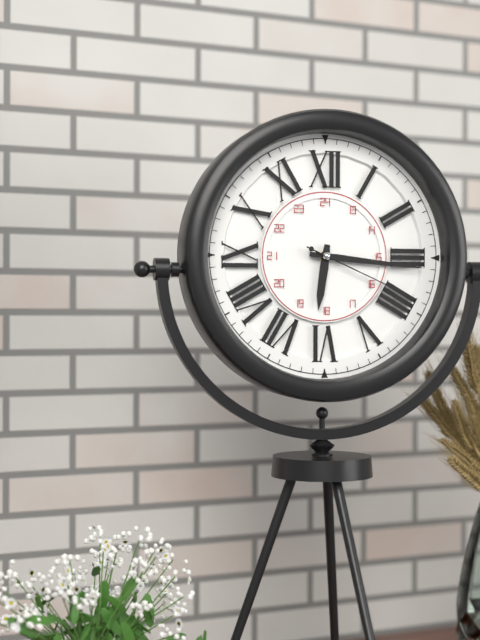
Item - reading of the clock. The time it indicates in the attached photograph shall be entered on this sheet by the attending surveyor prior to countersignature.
6:16:19
